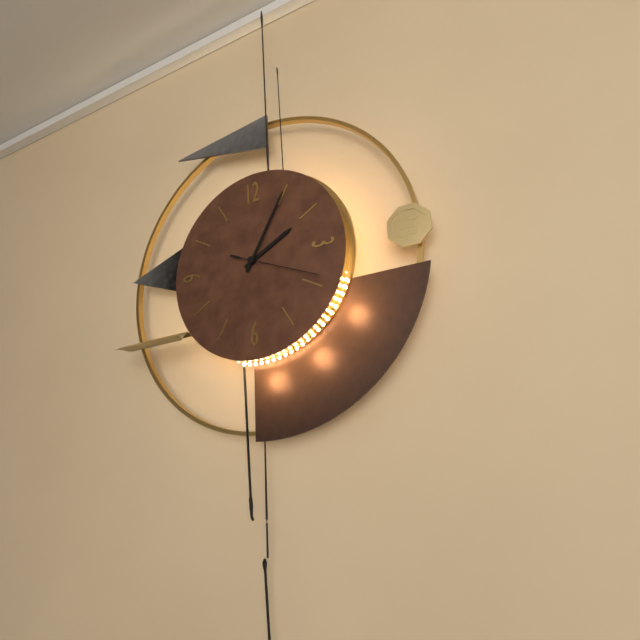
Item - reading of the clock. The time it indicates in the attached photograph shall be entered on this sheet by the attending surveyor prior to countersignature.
2:05:19
